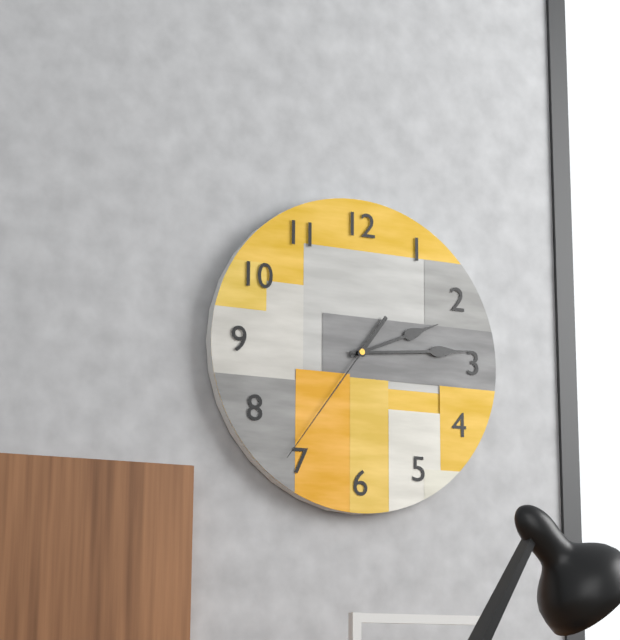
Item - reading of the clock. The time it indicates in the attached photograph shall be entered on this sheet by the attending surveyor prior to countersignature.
2:14:36
